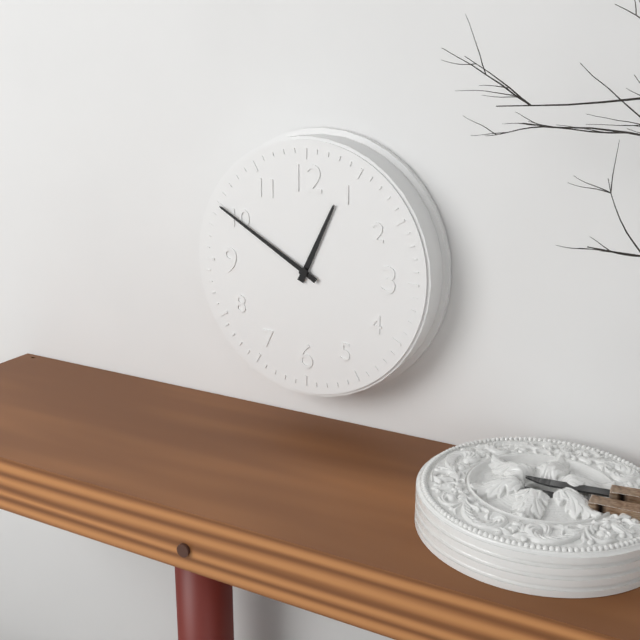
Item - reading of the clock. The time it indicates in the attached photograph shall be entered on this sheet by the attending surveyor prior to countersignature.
12:50
